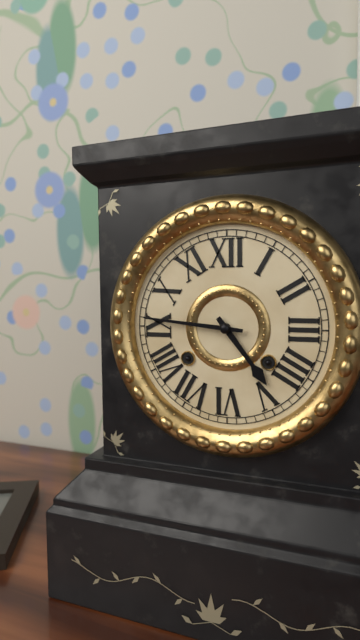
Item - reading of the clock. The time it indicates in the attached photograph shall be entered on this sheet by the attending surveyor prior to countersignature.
4:46
